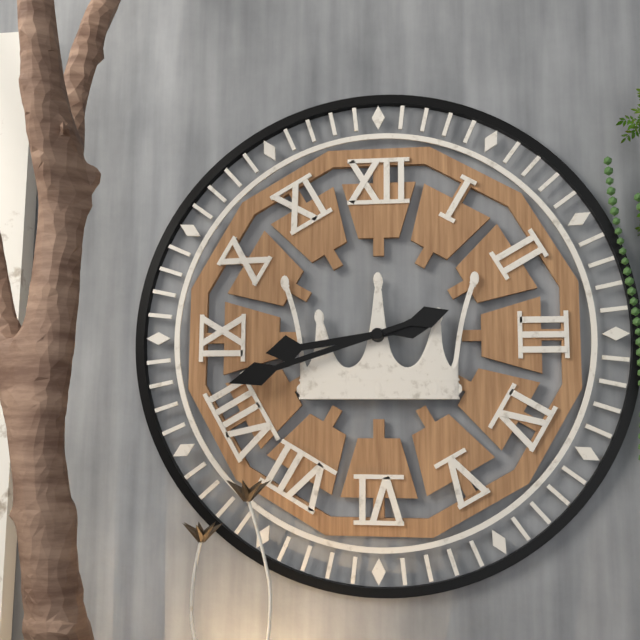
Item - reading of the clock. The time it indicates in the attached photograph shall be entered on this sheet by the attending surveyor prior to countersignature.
8:42
